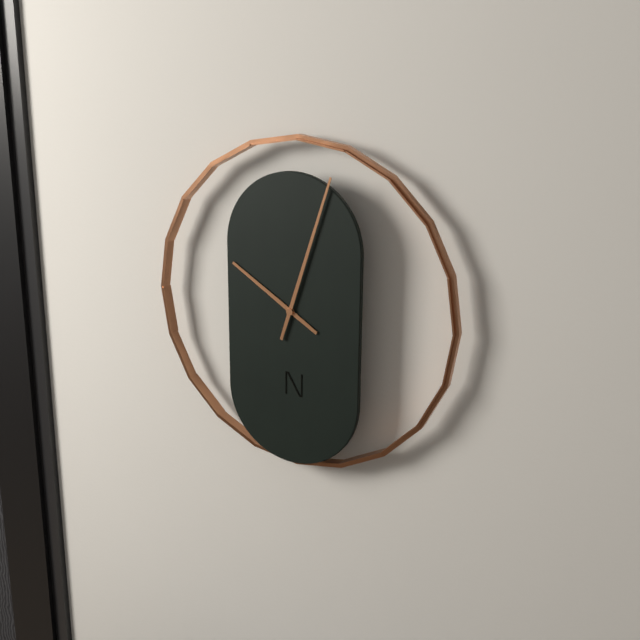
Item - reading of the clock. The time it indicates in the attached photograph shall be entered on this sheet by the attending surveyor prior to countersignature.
10:03
